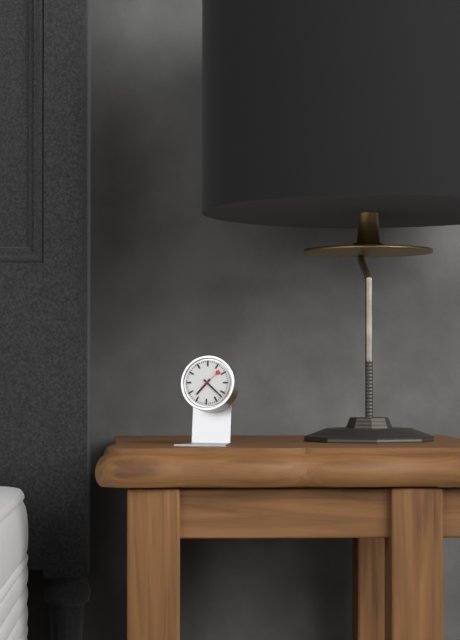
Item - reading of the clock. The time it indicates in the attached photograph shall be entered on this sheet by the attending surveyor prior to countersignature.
7:22
